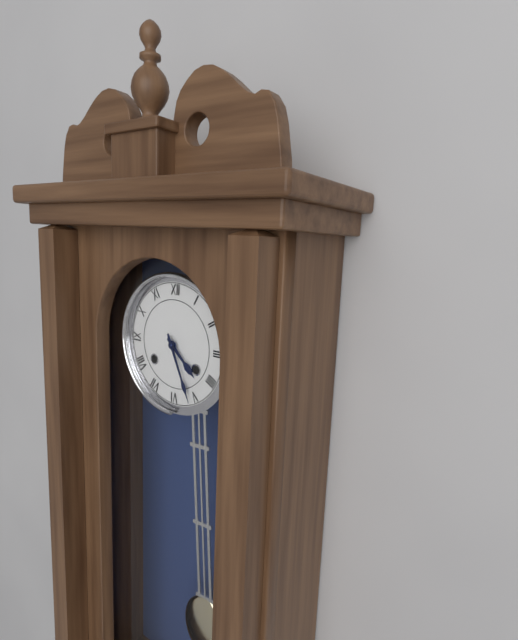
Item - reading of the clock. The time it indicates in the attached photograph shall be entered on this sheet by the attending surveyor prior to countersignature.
4:26
